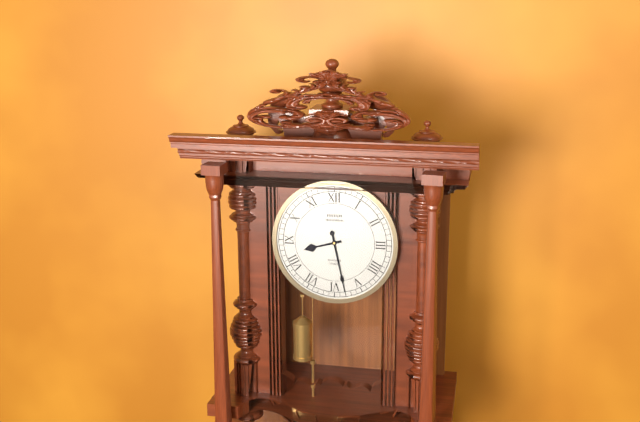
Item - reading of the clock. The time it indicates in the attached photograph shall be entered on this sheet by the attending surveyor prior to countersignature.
8:28
